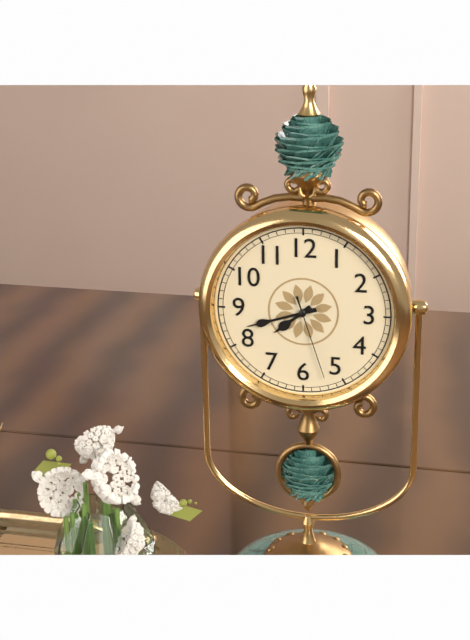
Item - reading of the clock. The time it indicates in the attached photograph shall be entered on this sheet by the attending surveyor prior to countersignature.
7:42:27
